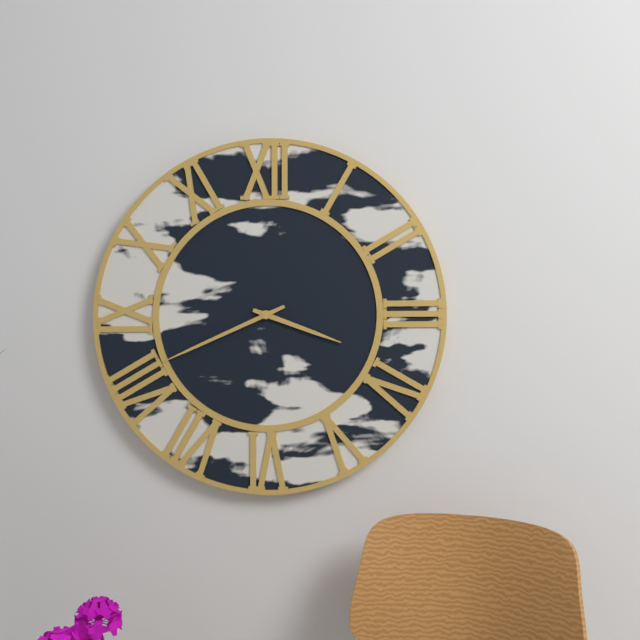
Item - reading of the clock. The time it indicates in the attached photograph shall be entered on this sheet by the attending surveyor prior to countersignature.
3:41
